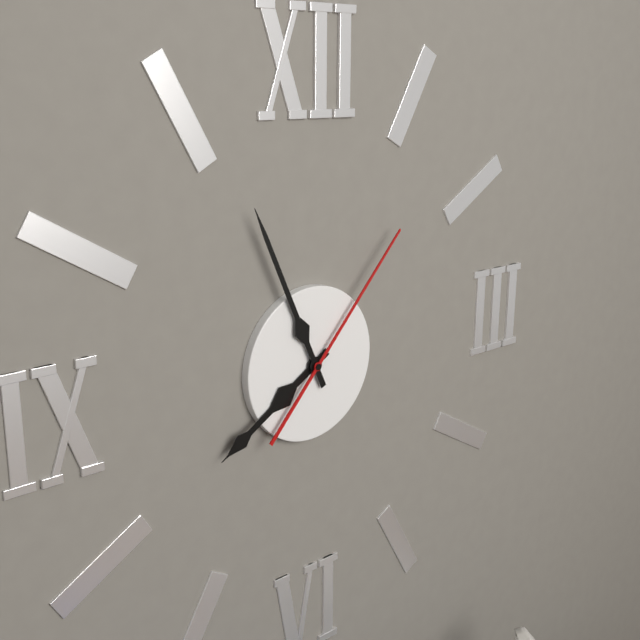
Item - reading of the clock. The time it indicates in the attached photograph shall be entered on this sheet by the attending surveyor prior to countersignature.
7:56:07
